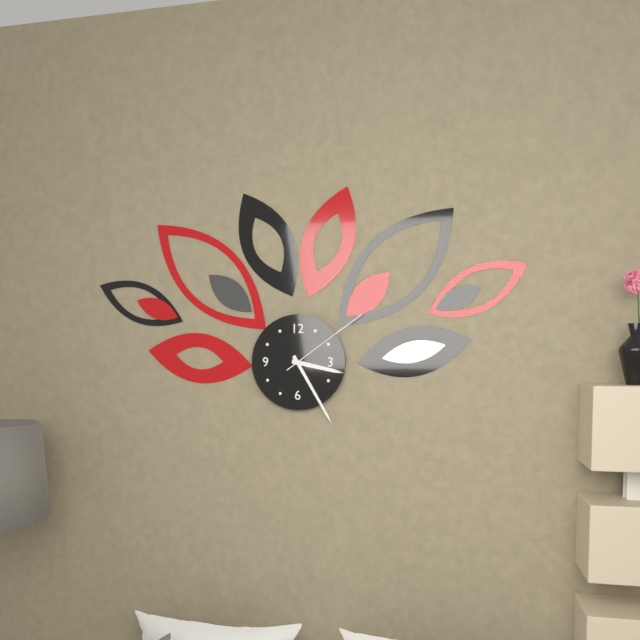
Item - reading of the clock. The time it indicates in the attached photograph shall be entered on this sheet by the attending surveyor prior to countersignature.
3:25:09
